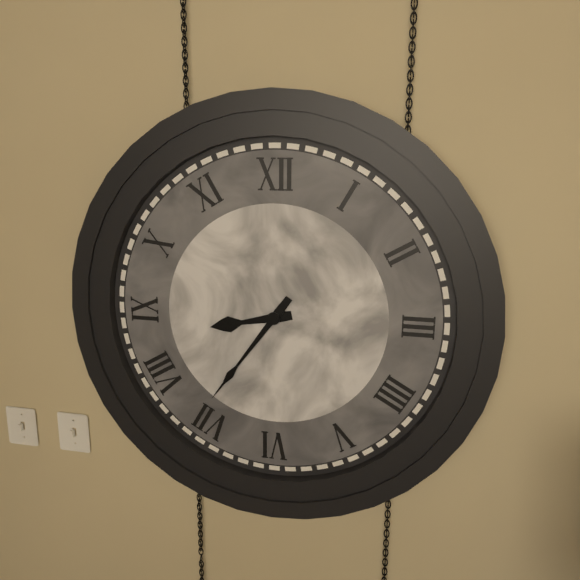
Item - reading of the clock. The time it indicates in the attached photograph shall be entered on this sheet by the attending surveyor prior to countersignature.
8:36
